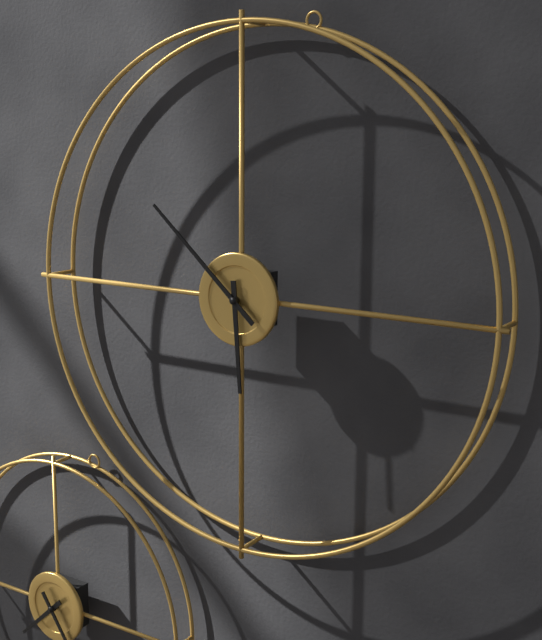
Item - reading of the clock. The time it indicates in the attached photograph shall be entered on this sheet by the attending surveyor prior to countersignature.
5:52
